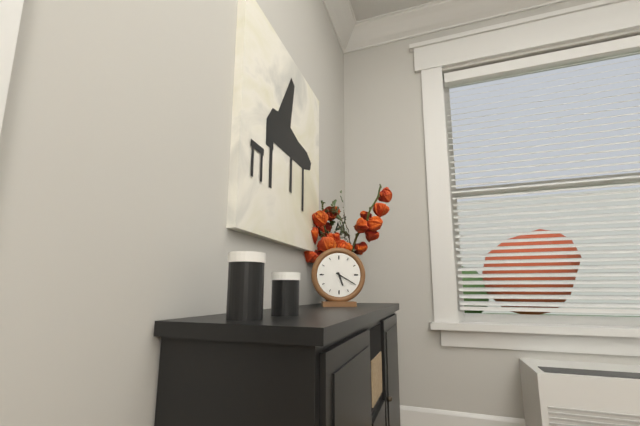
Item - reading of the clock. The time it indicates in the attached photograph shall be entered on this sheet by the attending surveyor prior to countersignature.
5:20
